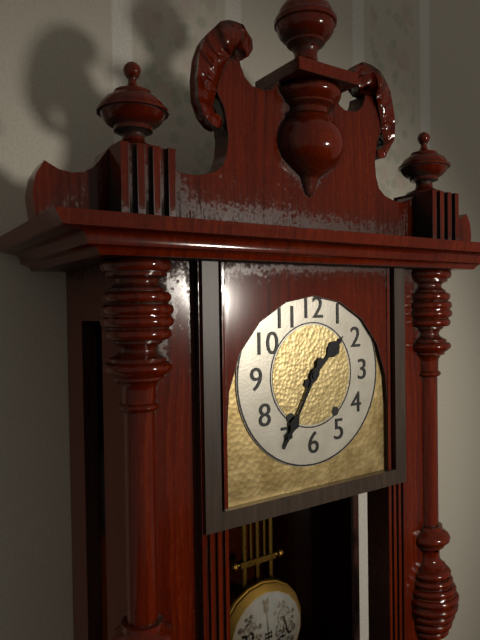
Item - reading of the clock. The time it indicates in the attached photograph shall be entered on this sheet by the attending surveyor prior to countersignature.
1:35
